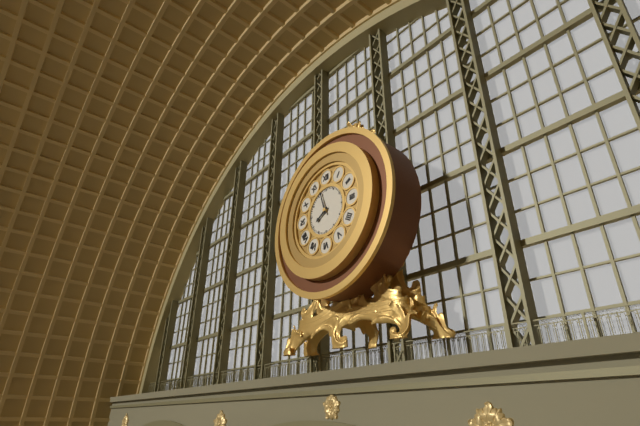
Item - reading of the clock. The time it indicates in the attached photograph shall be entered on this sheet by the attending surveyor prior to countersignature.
7:57
